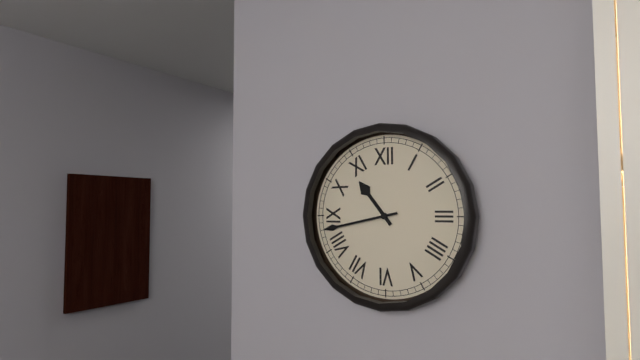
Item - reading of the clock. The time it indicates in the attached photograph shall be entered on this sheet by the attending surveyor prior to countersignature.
10:43
